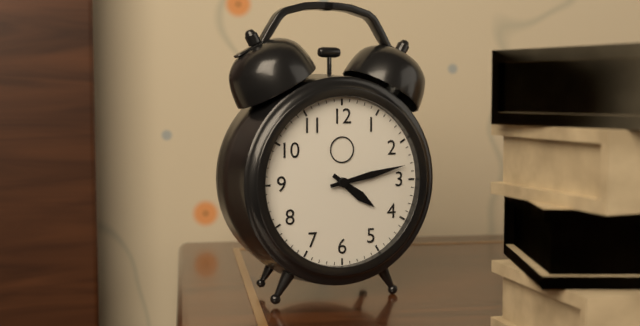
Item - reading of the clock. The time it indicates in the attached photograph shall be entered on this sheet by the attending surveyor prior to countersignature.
4:13
